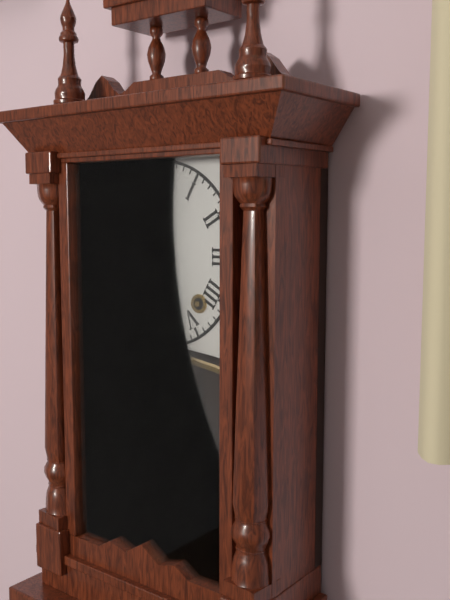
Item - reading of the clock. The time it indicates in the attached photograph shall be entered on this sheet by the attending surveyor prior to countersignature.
8:57
